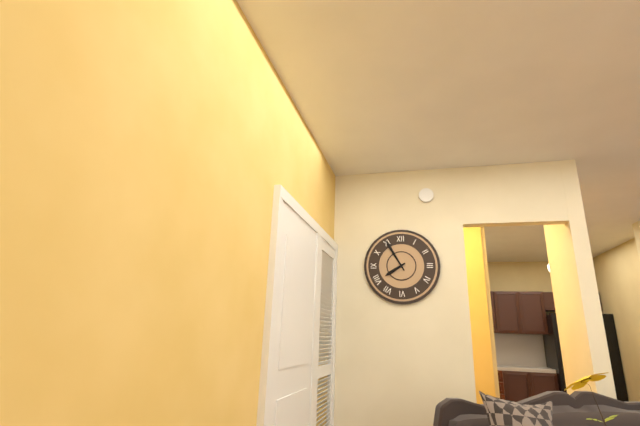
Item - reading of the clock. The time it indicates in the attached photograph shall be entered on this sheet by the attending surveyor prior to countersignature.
7:55
